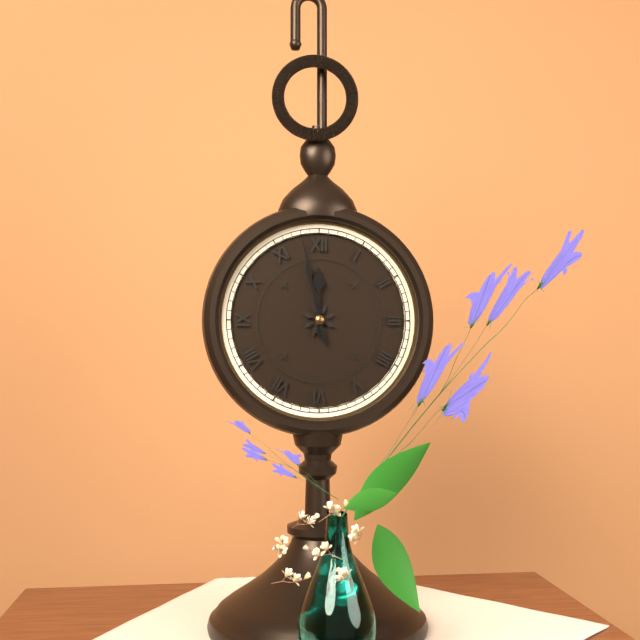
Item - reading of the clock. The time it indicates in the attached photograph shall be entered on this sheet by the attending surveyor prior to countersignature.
11:58
